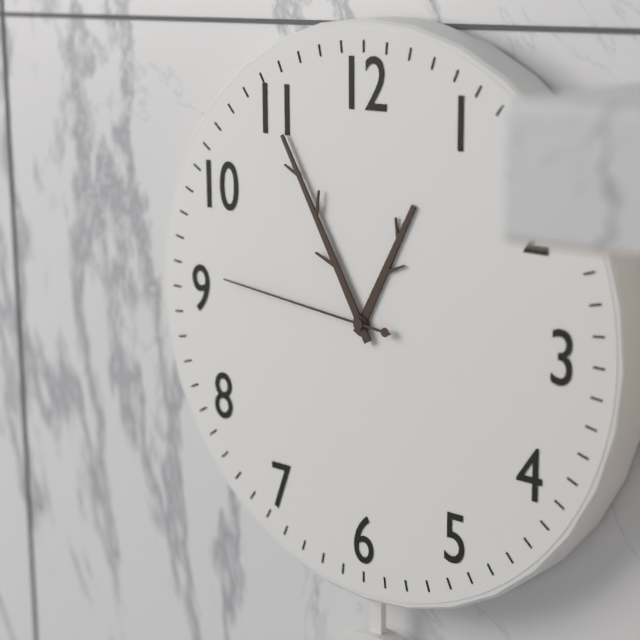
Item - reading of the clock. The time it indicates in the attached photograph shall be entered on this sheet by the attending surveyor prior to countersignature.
12:55:46
